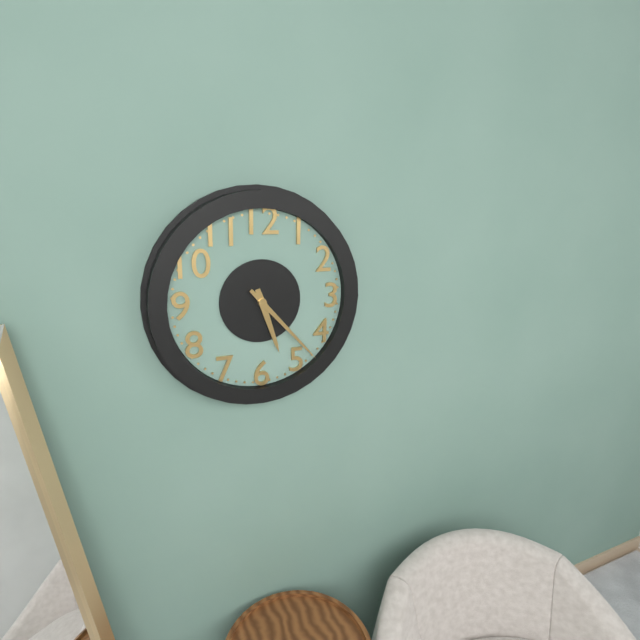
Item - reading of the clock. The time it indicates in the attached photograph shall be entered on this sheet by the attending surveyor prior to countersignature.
5:23
